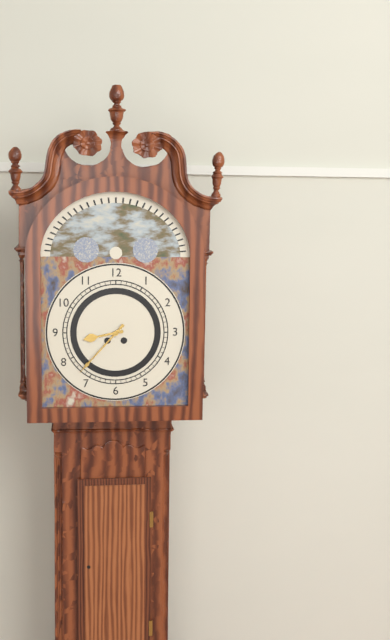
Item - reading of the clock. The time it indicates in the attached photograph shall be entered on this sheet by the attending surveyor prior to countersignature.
8:37
